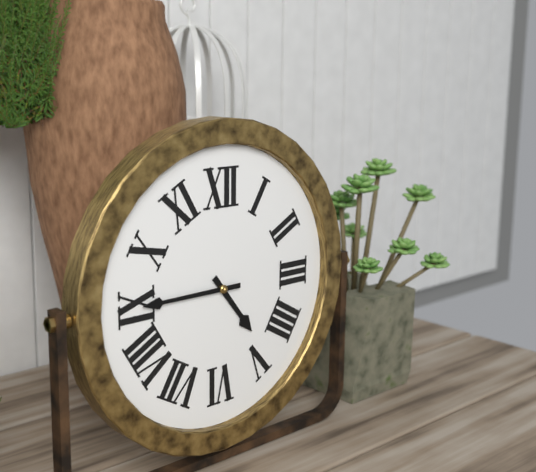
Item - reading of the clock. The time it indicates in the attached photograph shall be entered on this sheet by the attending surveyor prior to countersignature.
4:45
